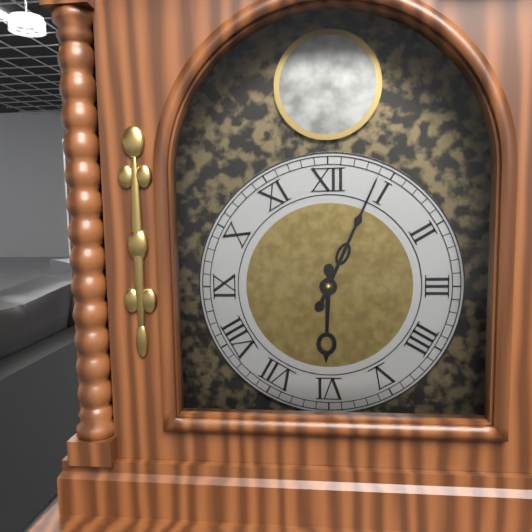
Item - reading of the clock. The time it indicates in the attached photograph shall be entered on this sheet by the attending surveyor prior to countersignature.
6:04
